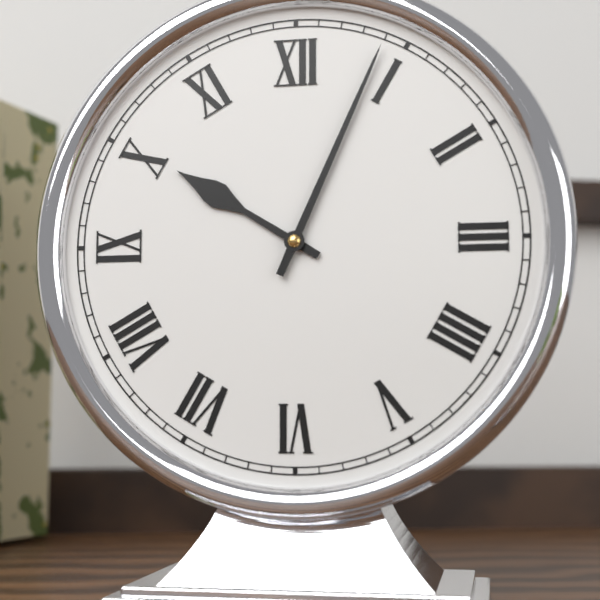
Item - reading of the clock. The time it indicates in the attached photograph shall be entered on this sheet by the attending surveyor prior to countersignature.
10:04
